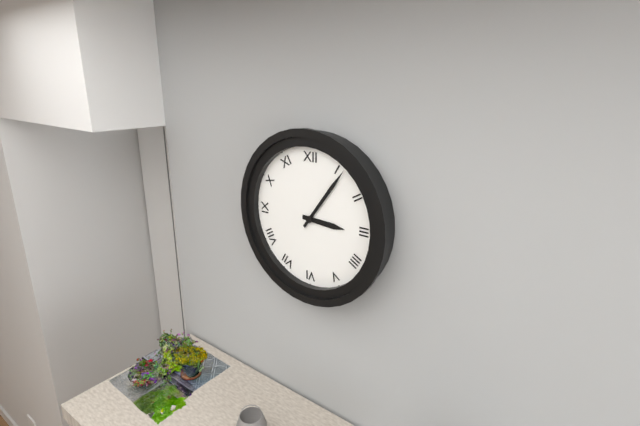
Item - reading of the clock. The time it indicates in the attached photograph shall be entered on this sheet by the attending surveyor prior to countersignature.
3:06
